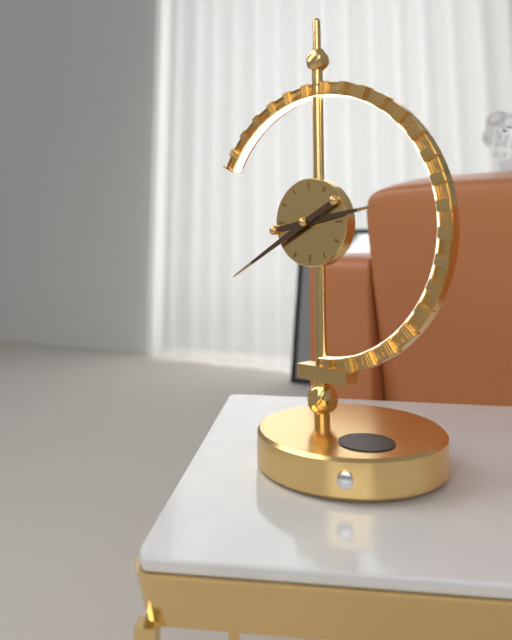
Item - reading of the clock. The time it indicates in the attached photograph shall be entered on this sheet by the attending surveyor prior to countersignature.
2:40
